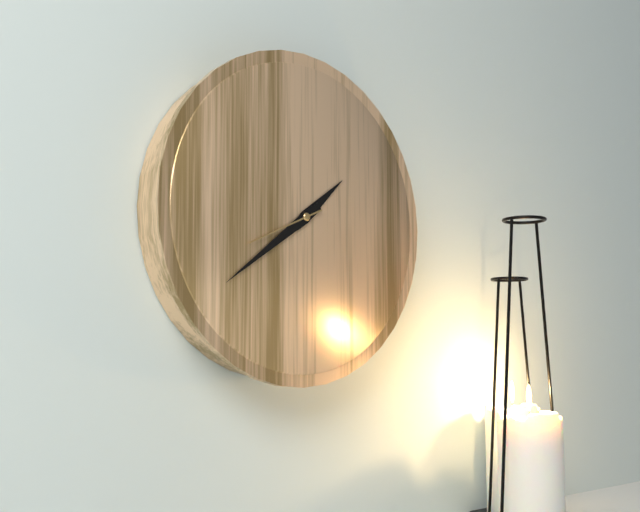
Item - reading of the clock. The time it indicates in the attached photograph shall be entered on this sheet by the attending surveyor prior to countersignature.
1:39:41
